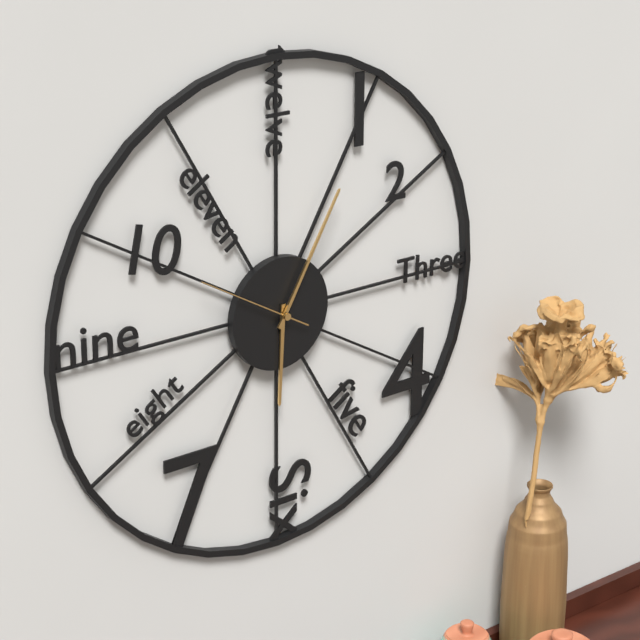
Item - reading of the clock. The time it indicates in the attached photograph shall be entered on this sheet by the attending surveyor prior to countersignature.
6:05:50
